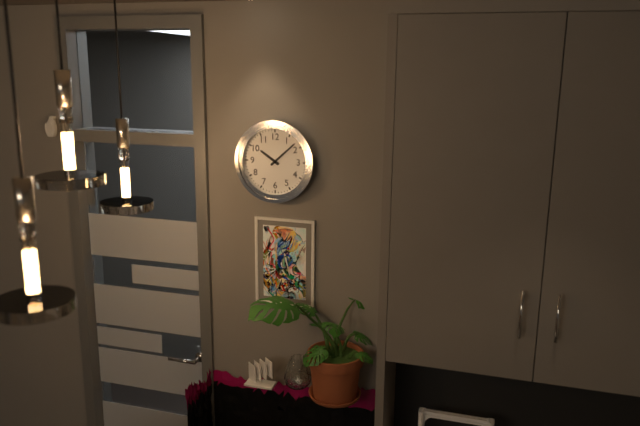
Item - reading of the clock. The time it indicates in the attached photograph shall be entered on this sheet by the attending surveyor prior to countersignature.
10:08
